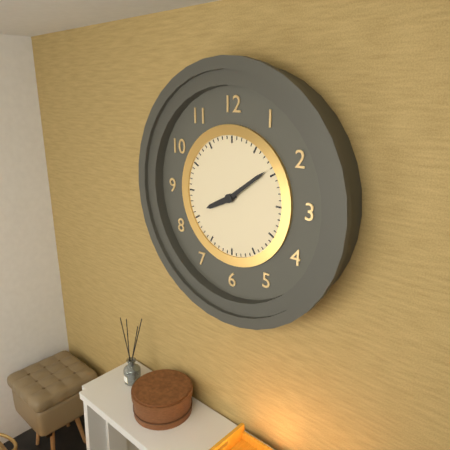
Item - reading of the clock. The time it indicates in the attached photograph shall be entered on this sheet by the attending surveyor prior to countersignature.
8:09
